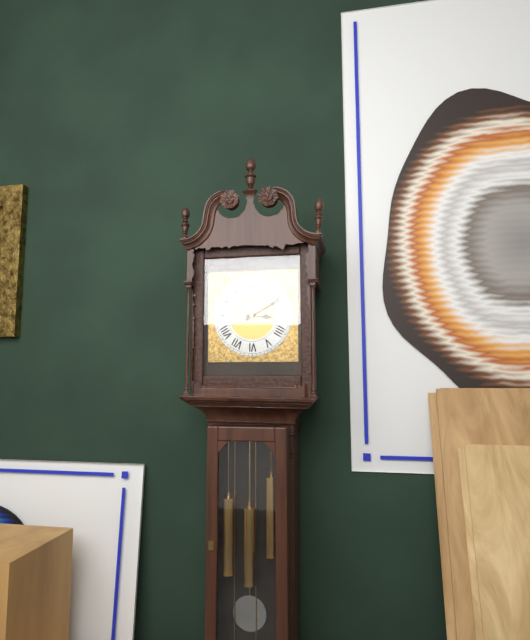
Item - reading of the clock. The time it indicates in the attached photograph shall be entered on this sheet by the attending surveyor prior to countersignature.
3:10
